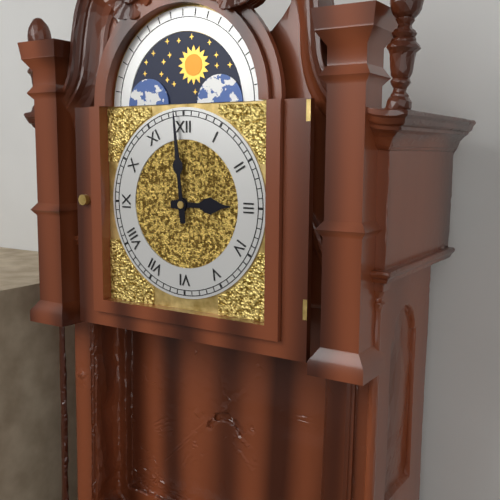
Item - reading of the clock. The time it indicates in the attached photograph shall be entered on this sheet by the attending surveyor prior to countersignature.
2:59
